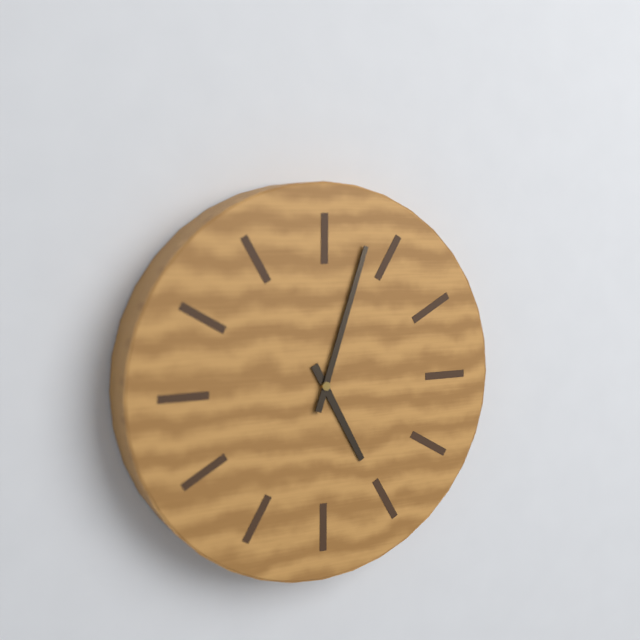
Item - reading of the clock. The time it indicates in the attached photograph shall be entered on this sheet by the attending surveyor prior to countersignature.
5:03
